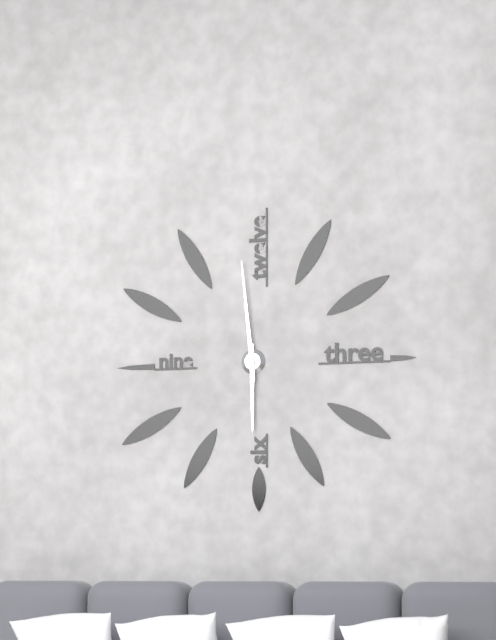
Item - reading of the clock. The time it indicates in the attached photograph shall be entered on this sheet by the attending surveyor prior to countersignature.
5:59
